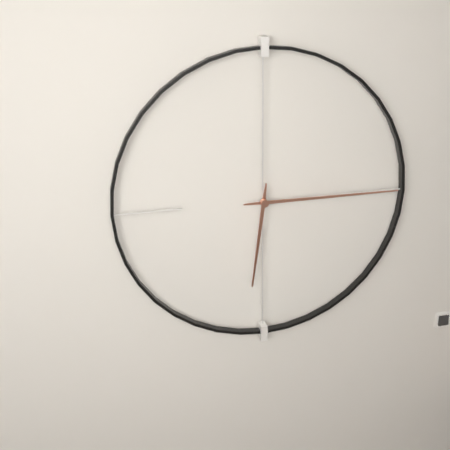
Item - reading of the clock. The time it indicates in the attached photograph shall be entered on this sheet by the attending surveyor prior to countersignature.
6:15
